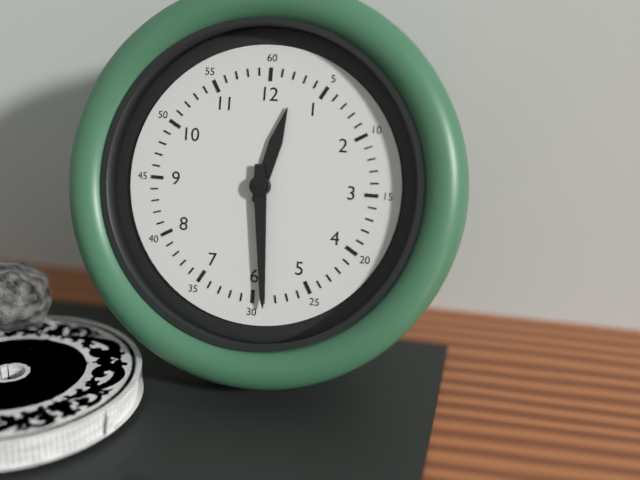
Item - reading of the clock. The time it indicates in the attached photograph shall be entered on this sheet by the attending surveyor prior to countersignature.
12:29
